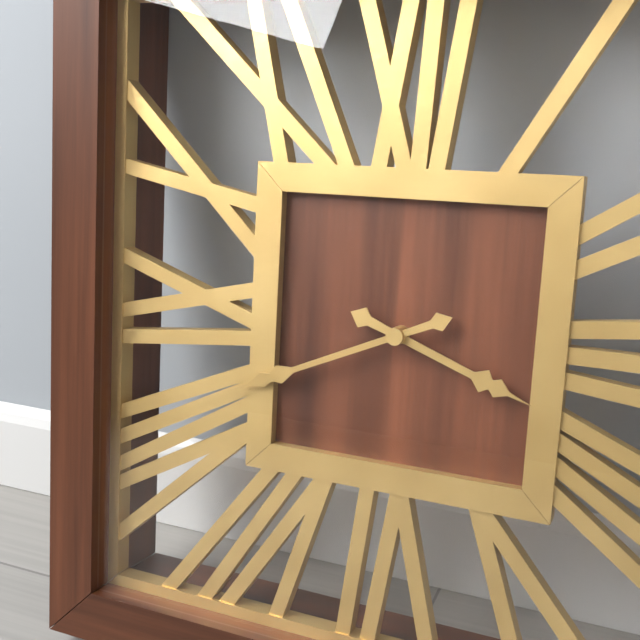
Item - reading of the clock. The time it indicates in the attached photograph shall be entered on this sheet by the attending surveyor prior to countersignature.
3:41
